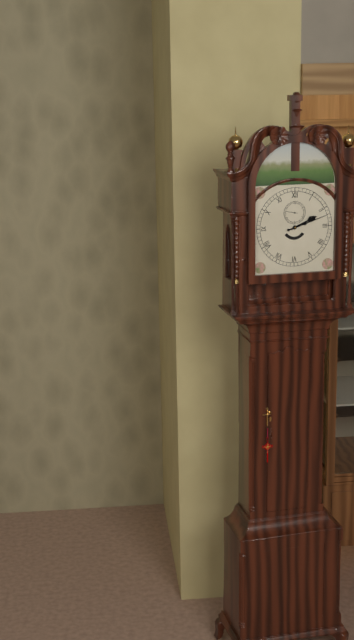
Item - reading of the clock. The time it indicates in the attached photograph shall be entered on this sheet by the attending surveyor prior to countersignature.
2:12
